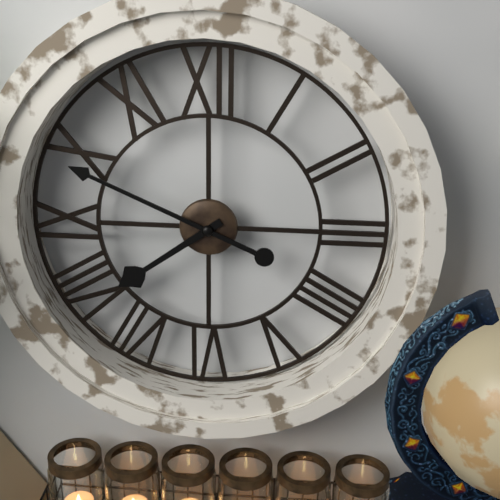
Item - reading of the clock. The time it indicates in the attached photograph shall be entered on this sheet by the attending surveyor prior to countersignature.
7:49
